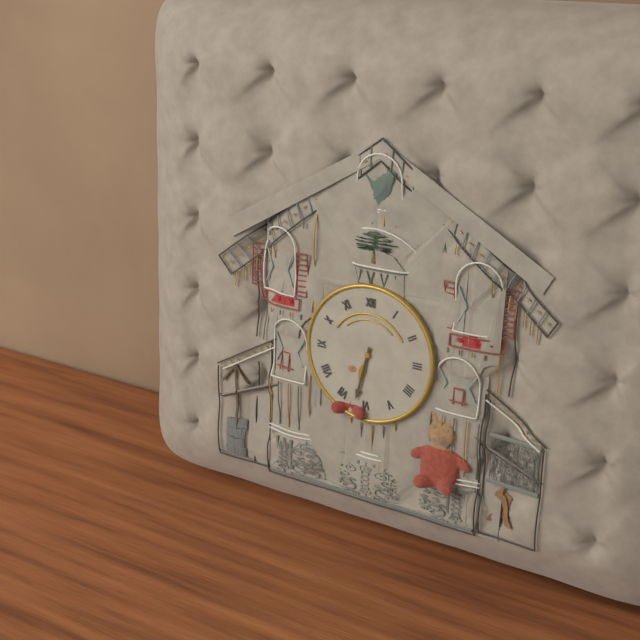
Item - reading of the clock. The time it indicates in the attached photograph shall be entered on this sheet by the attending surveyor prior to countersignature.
6:32
